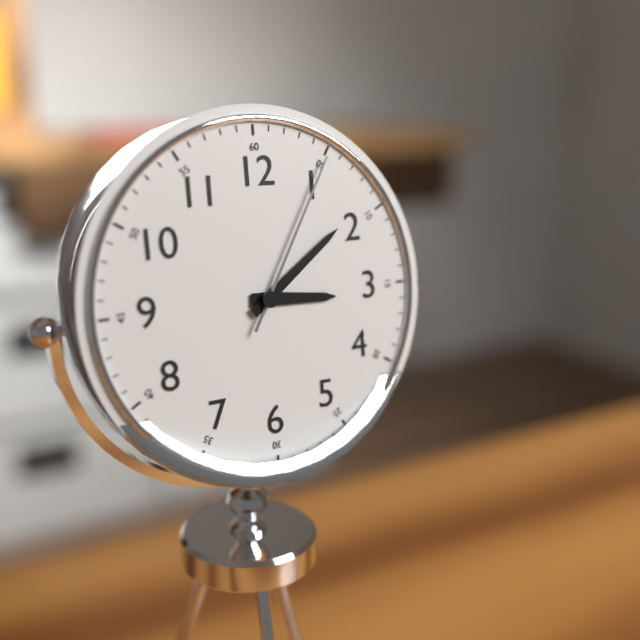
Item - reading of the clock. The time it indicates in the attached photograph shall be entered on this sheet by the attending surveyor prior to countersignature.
3:09:05
